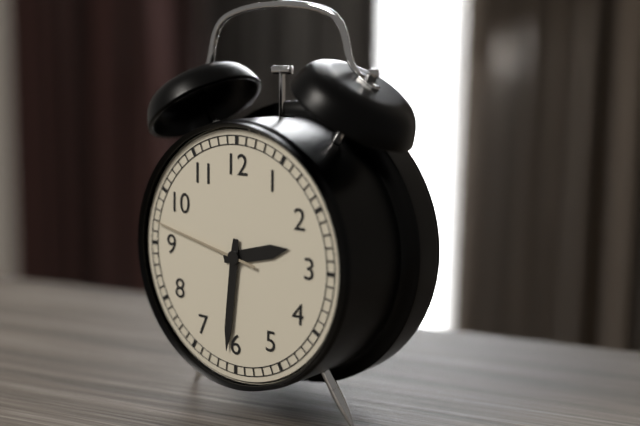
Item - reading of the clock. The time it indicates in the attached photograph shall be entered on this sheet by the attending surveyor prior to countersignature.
2:31:47
